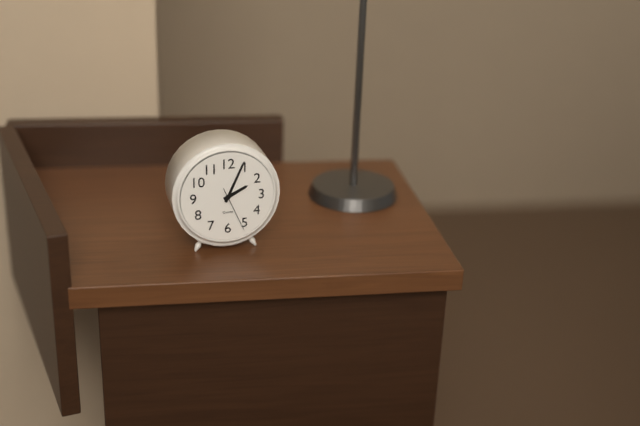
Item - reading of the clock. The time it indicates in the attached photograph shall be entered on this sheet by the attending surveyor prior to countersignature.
2:04
